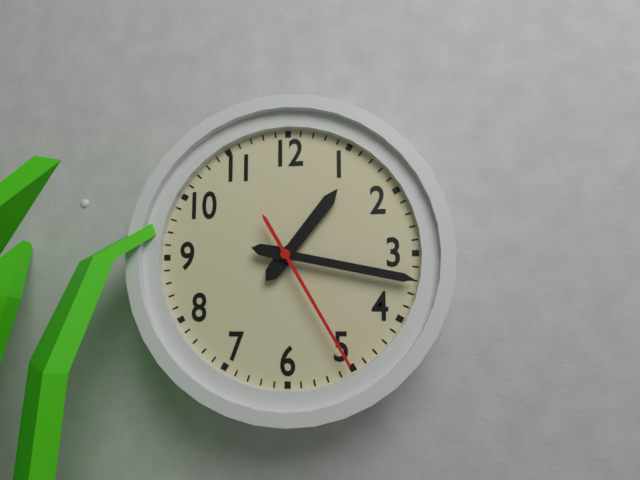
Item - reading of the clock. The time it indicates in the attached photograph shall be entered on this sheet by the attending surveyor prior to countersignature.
1:17:25
